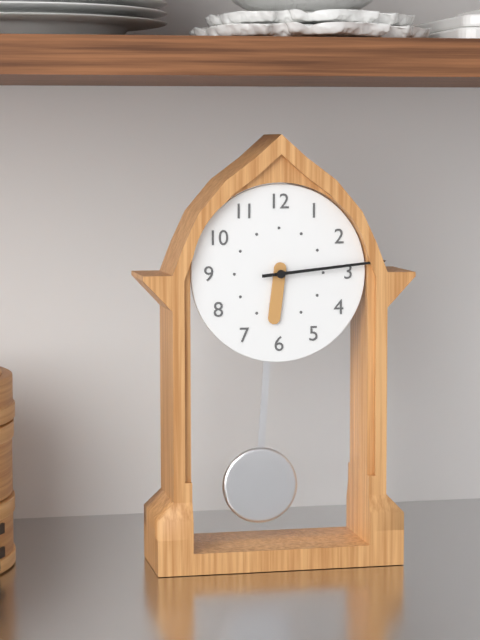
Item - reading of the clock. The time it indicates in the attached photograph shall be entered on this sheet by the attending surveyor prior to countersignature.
6:14
